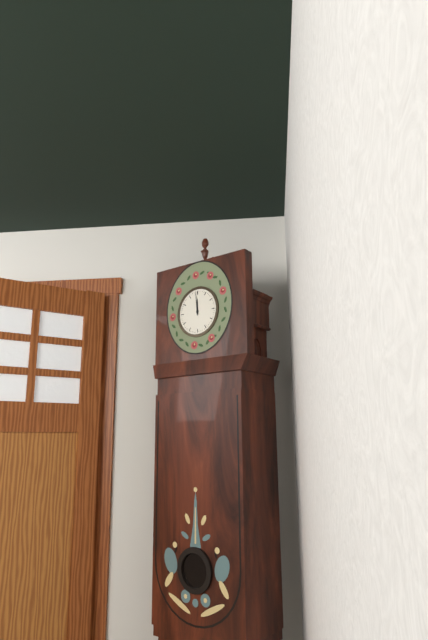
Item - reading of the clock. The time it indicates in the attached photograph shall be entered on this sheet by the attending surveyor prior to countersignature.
11:59
